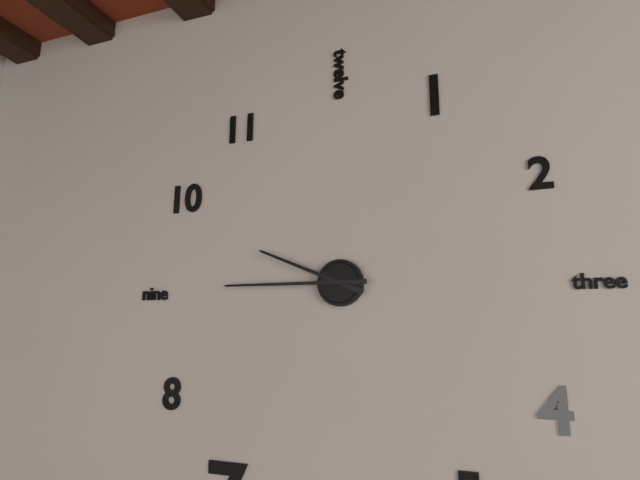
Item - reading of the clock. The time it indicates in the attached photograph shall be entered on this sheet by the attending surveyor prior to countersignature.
9:45
